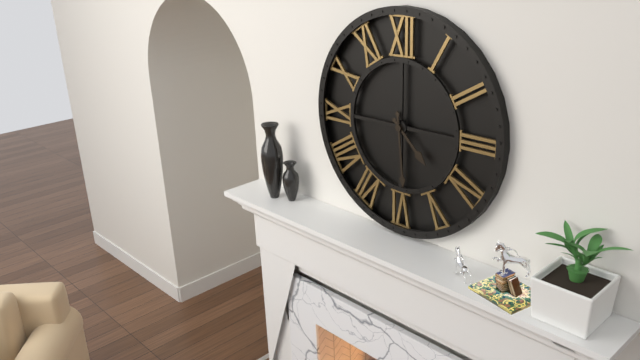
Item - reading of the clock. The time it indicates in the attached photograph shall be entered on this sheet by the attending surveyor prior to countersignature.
4:29
